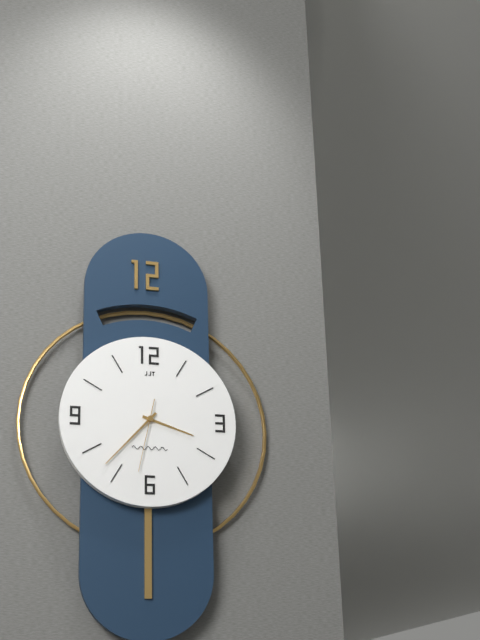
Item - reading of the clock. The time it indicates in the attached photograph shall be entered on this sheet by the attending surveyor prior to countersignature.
3:37:32
